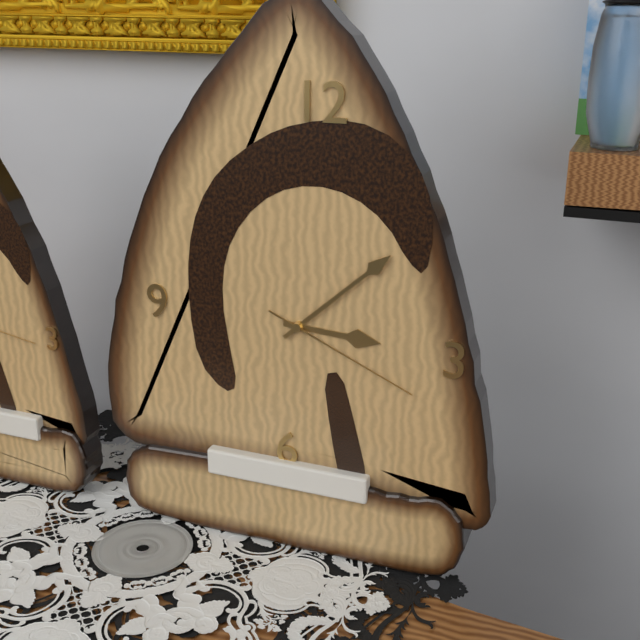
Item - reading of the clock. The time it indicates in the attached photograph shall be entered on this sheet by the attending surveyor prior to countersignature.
3:08:19
